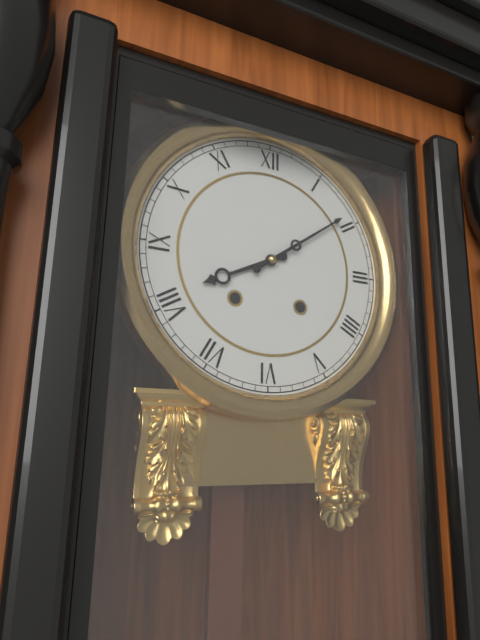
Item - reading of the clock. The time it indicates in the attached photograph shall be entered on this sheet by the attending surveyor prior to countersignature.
8:09
